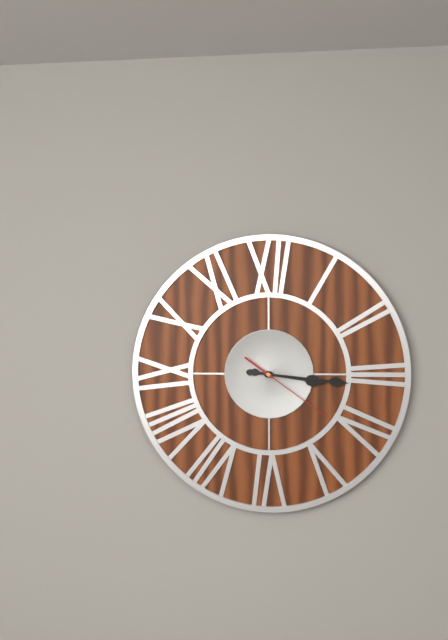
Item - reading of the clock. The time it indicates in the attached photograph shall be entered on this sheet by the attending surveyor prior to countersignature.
3:16:21
